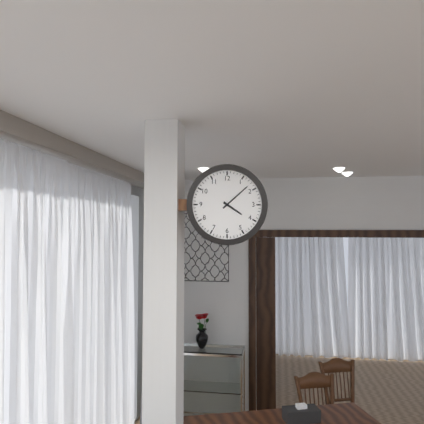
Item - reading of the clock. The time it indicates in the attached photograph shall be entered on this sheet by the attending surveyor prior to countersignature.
4:08
